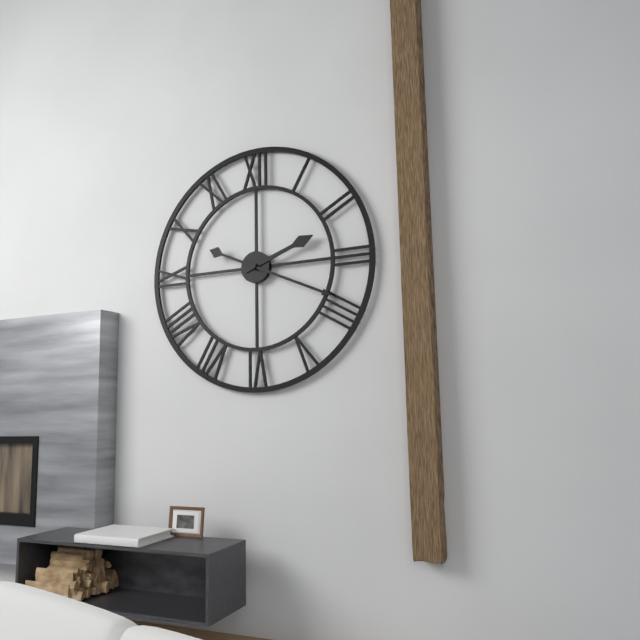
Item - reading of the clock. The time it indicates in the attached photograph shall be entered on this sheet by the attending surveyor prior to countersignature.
2:19
